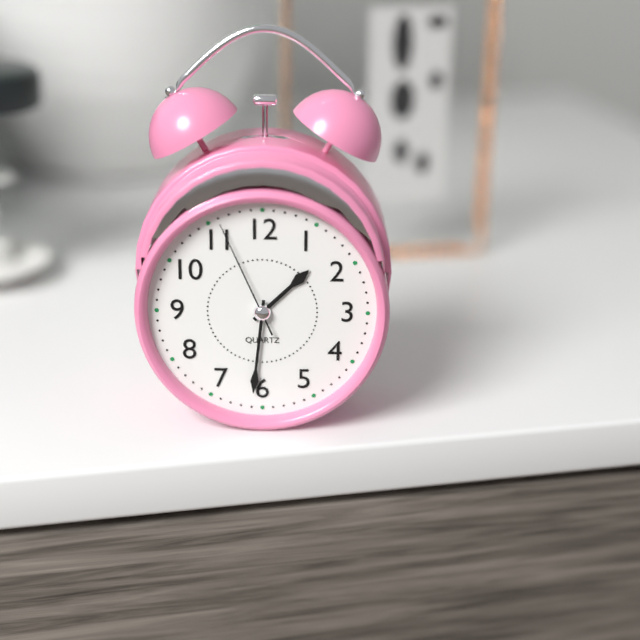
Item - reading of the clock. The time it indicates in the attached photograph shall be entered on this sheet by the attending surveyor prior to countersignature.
1:31:56
